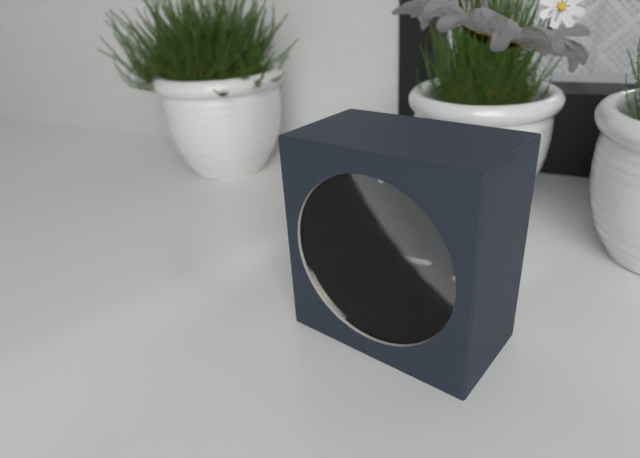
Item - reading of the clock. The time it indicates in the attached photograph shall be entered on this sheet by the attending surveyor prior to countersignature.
2:42:37
